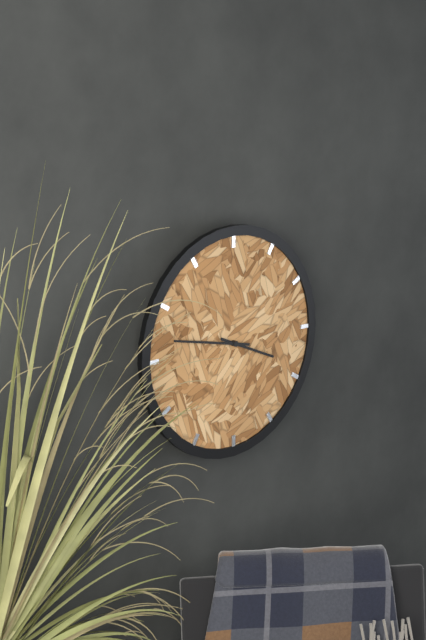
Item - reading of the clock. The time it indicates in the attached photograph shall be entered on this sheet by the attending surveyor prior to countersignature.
3:47
